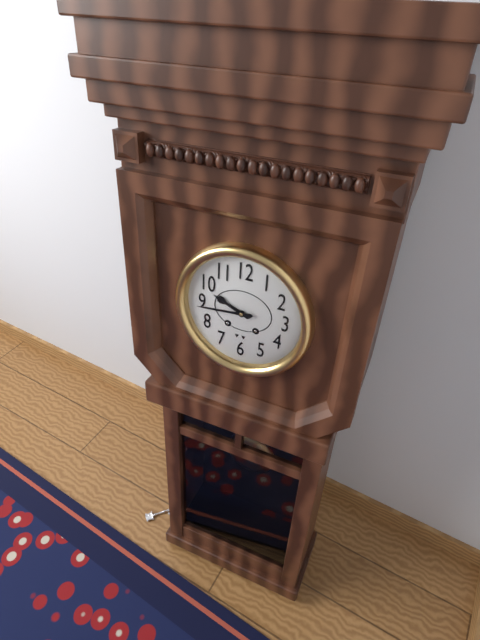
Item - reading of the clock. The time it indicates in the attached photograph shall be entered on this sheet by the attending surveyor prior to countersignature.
9:44
